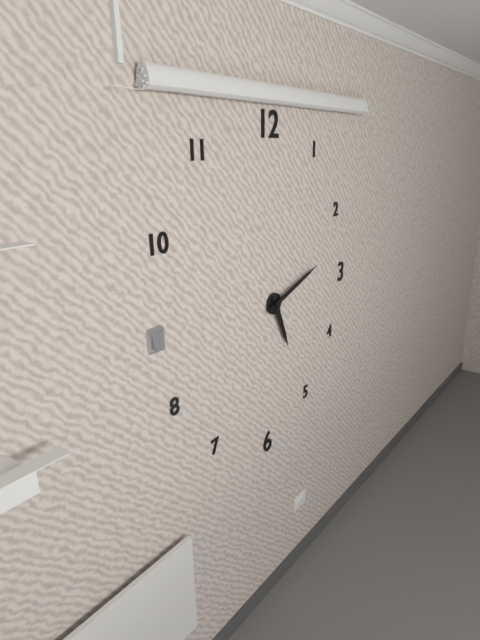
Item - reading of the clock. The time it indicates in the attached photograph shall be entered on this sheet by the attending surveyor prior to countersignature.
5:12
